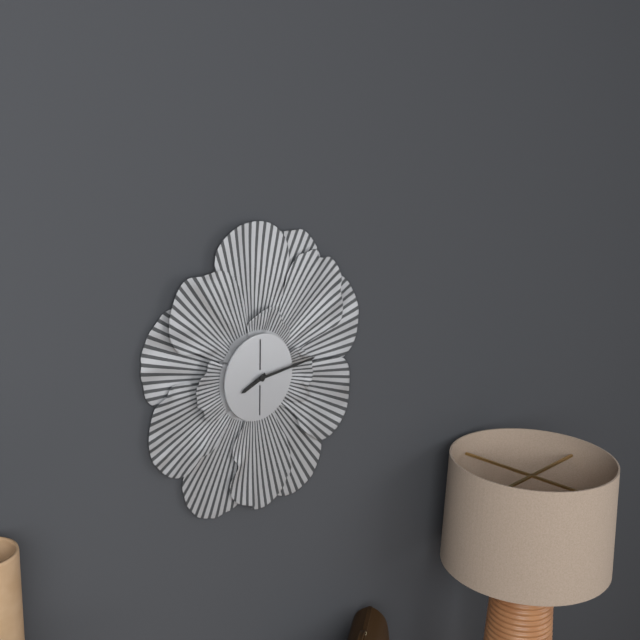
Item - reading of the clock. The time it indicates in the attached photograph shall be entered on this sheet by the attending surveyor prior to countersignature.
8:14
